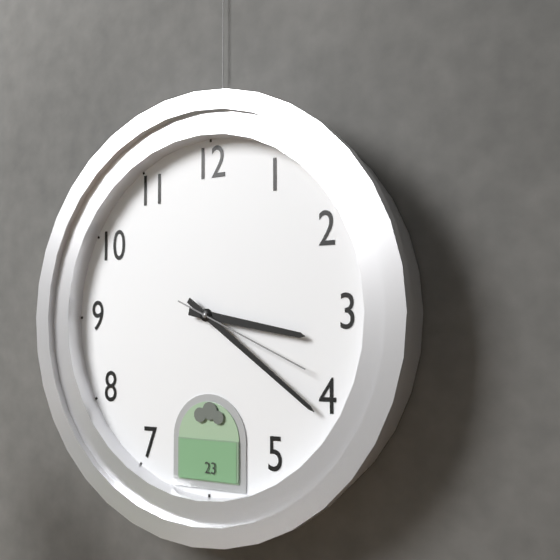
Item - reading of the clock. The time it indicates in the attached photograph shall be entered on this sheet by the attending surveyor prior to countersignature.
3:21:19
